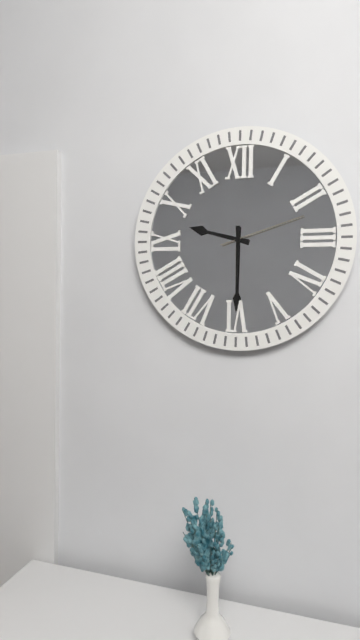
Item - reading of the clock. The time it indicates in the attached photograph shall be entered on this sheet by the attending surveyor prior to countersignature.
9:30:12
